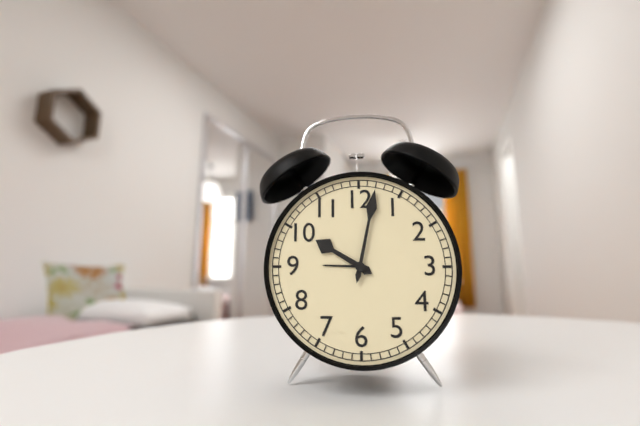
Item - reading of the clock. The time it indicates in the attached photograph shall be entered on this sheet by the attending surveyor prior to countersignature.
10:02
